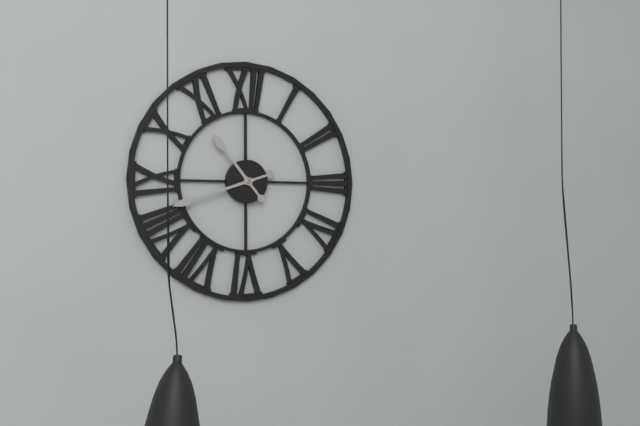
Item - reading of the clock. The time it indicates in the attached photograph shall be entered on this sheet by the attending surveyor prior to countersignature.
10:42
